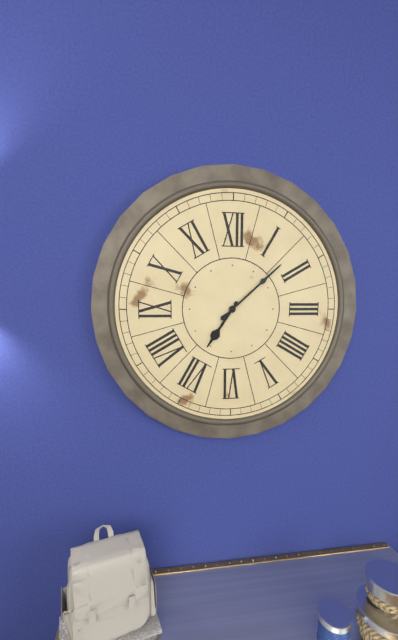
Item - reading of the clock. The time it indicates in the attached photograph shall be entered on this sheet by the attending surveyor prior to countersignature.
7:08
